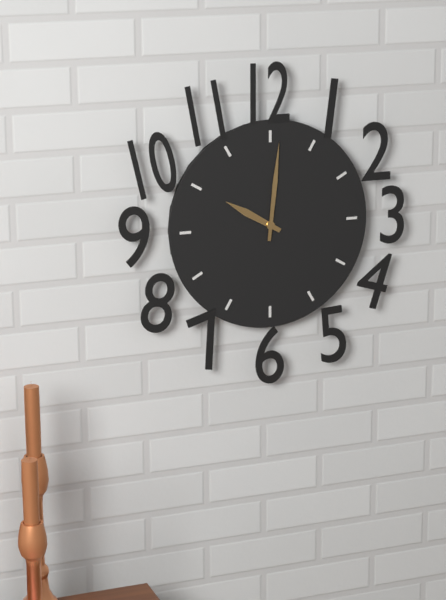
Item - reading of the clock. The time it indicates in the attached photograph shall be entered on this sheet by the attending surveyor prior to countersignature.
10:01
